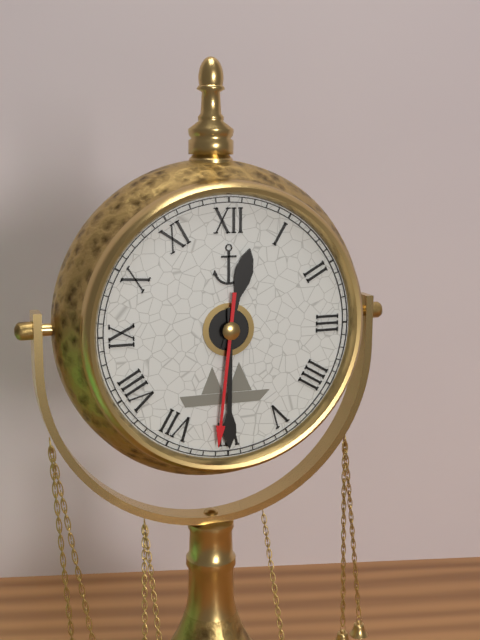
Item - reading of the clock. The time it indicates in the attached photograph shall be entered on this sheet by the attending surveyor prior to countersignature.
12:30:31
